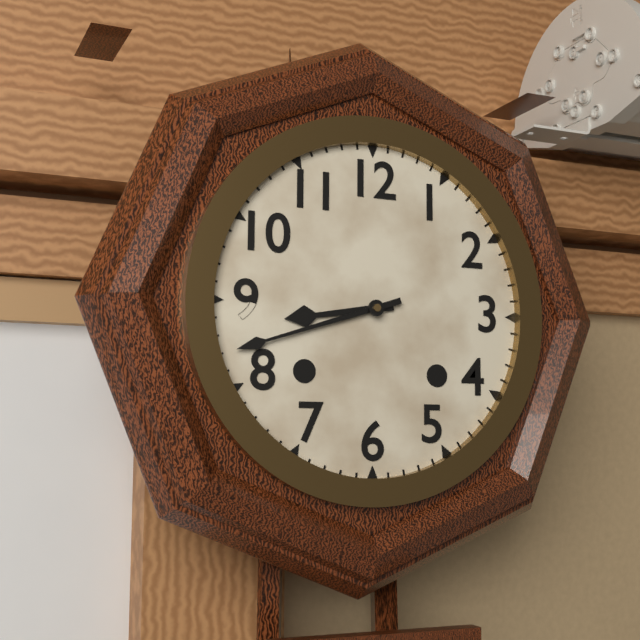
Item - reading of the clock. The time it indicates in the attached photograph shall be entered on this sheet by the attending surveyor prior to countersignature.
8:42
